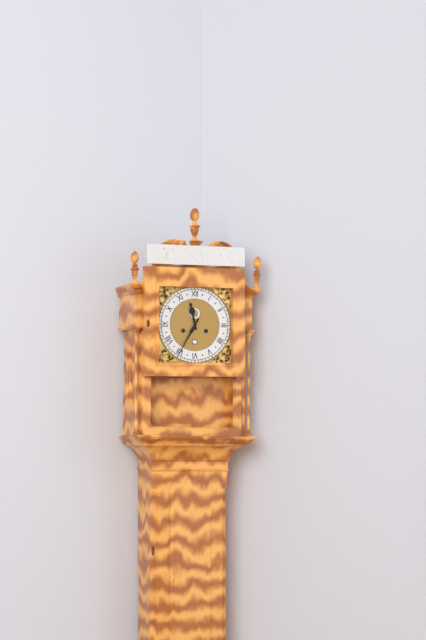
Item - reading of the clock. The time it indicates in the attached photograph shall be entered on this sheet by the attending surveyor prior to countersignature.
11:35
